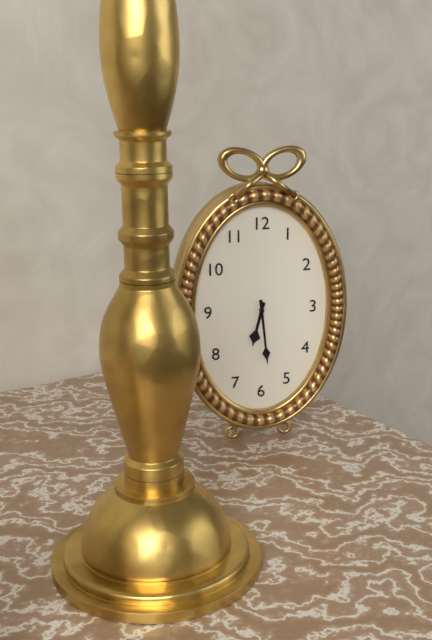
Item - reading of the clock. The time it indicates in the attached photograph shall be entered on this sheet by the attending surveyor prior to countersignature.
6:29
